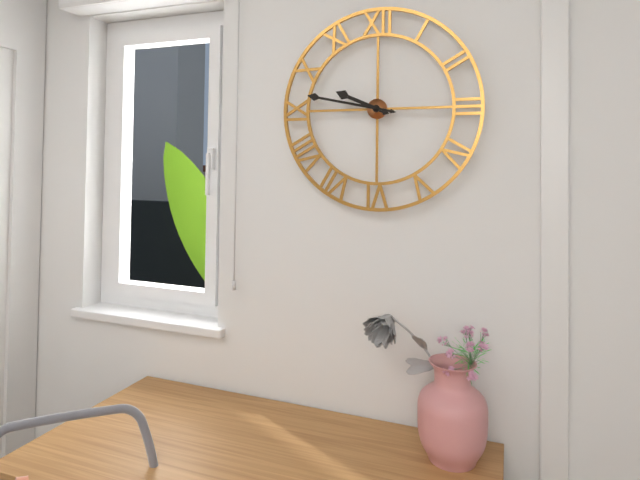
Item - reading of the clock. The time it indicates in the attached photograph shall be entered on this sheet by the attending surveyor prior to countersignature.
9:47
